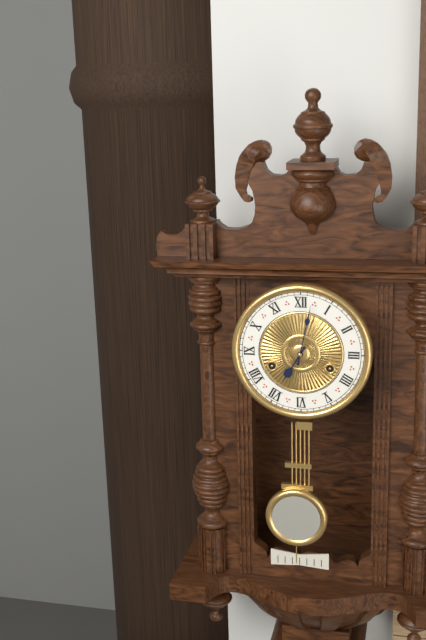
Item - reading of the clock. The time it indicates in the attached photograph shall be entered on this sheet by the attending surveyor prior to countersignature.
7:02
